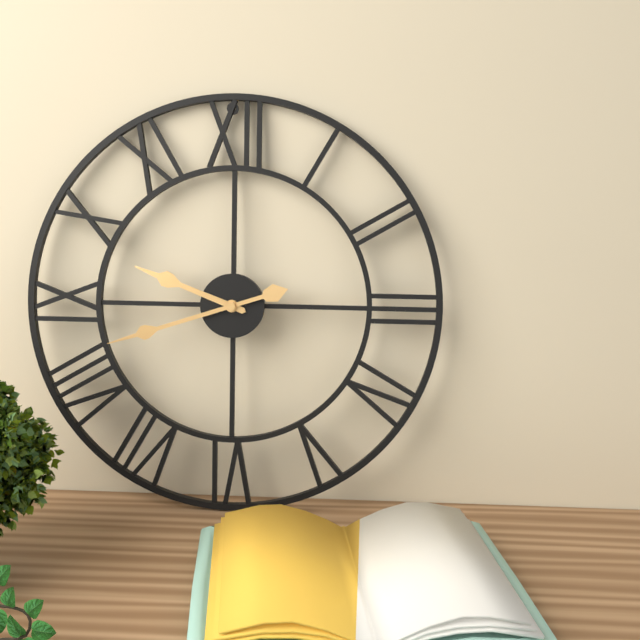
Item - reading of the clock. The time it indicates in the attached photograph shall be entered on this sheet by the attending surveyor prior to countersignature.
9:42
